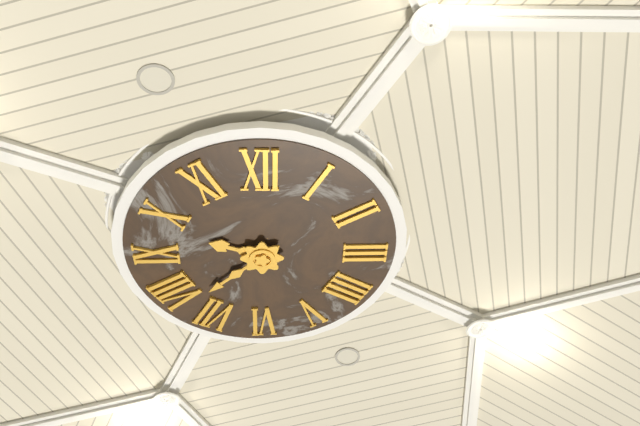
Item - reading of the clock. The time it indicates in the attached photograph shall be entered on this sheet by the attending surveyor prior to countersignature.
9:38
